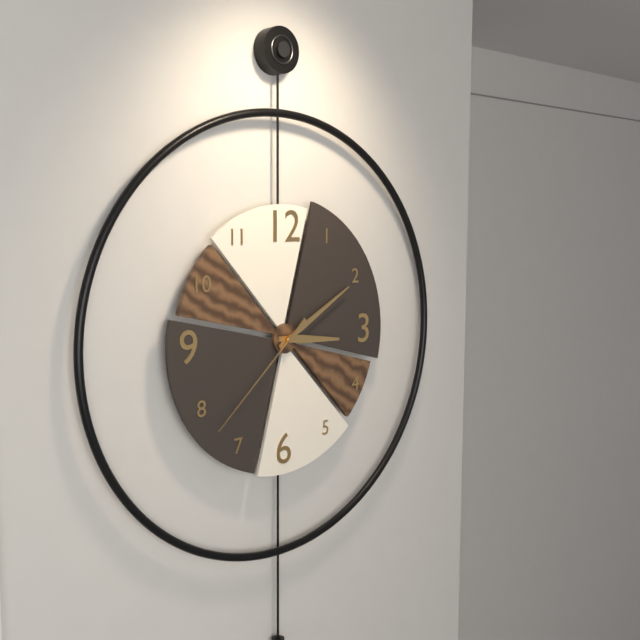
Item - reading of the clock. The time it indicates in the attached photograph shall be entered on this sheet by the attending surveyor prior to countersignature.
3:10:38
